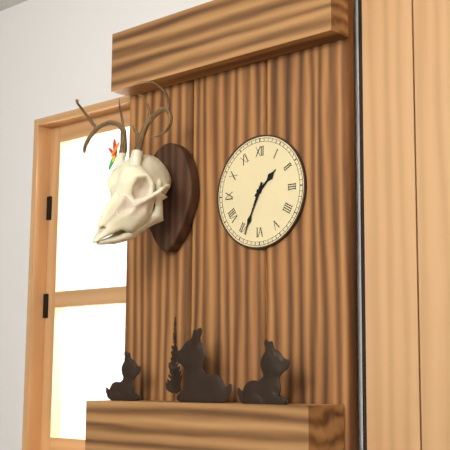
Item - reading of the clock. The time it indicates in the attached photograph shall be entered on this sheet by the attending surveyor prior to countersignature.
1:34
